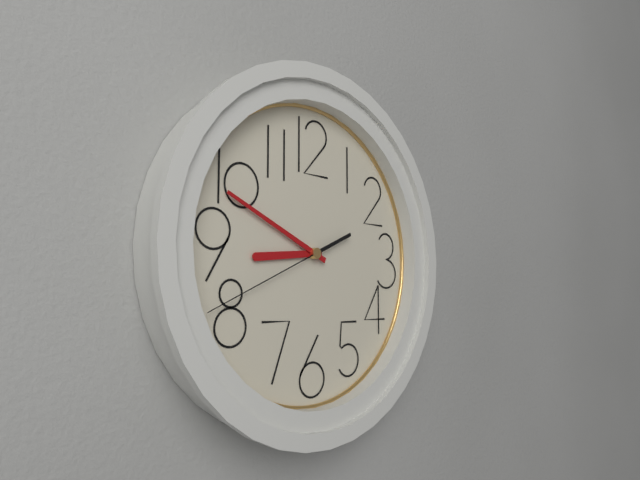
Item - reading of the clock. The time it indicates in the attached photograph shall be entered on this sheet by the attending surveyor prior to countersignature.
8:49:41
